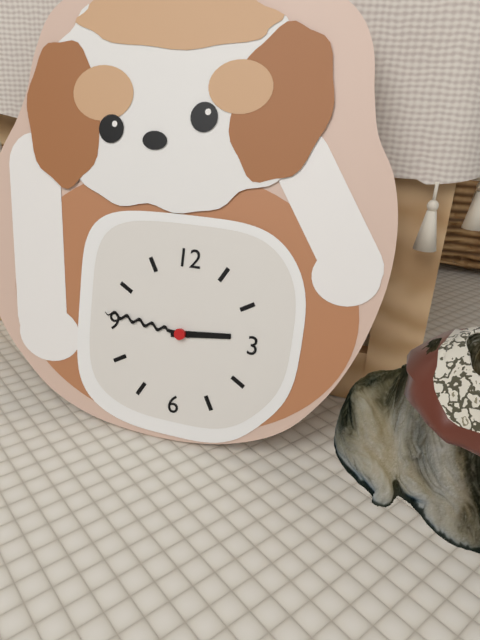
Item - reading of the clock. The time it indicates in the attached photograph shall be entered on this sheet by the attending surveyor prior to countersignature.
2:46
